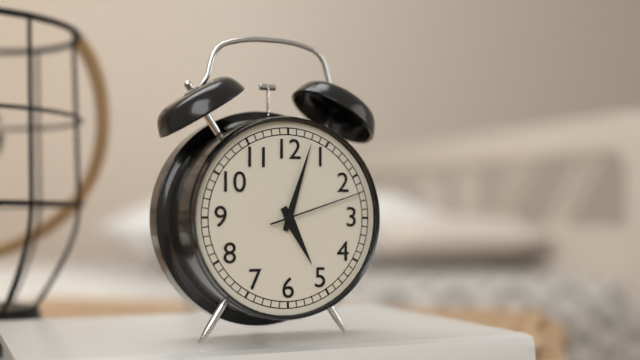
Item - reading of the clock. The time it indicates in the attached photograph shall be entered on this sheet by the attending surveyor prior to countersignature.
5:03:12
